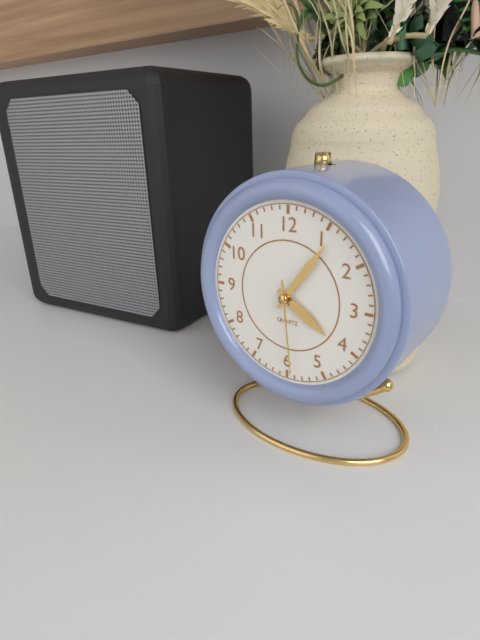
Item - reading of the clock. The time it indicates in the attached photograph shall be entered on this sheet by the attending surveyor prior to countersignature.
4:06:29
